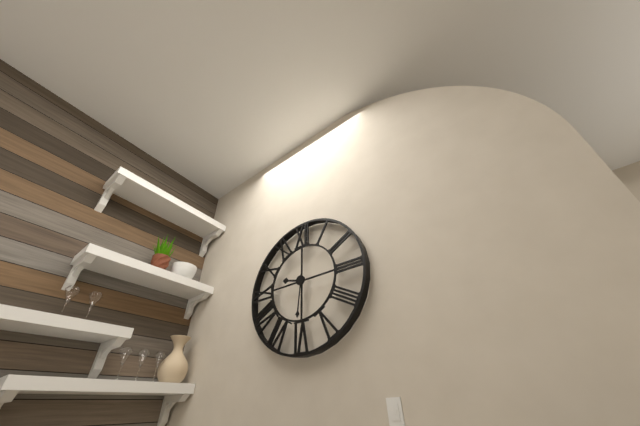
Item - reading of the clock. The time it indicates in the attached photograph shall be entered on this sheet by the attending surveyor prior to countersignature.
9:31
